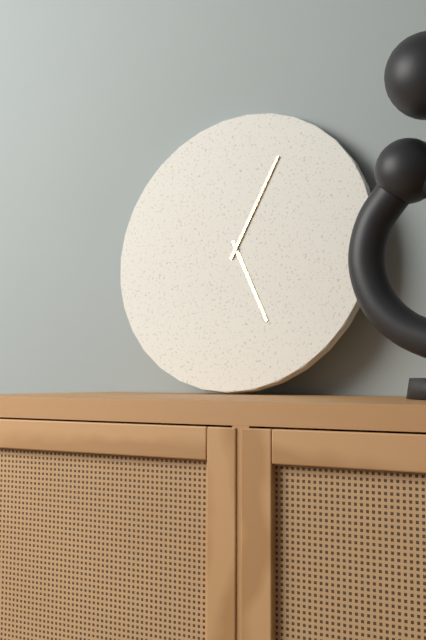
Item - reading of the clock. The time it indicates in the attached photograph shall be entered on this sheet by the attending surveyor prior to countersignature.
5:04
